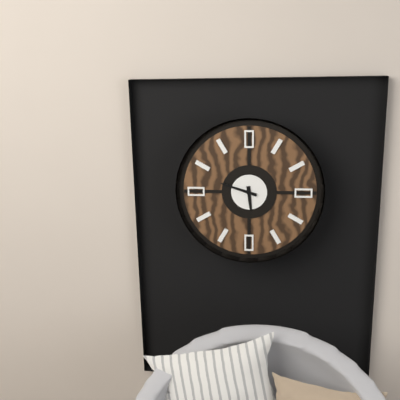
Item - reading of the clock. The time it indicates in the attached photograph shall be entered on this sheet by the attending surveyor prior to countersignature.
5:48
